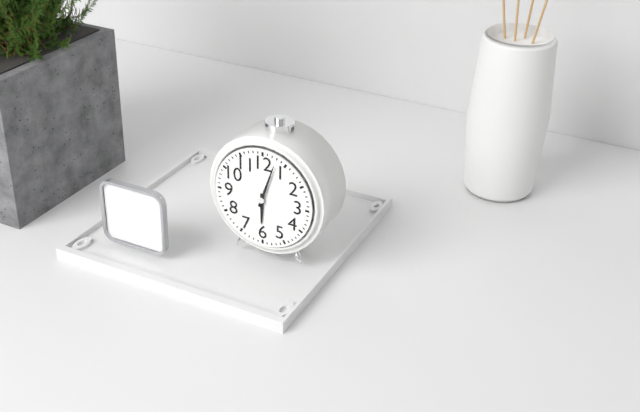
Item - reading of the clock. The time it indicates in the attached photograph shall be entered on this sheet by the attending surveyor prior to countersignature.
6:03
